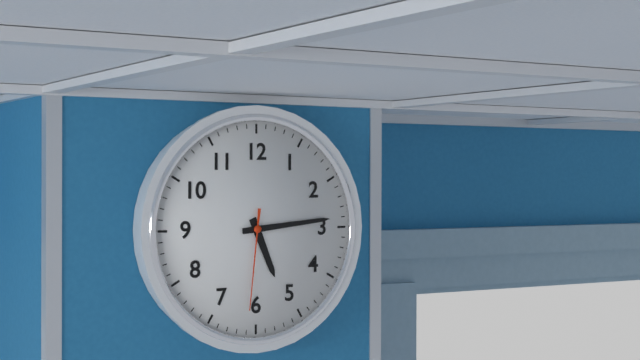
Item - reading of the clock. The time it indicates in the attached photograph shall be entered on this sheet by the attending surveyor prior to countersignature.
5:14:31
